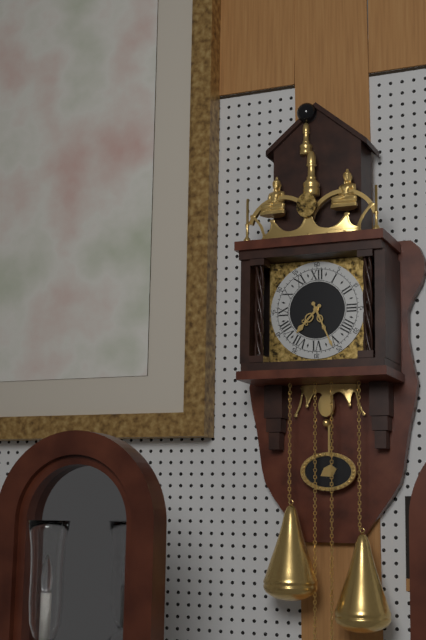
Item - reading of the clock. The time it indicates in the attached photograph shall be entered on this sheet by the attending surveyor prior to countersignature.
7:26
